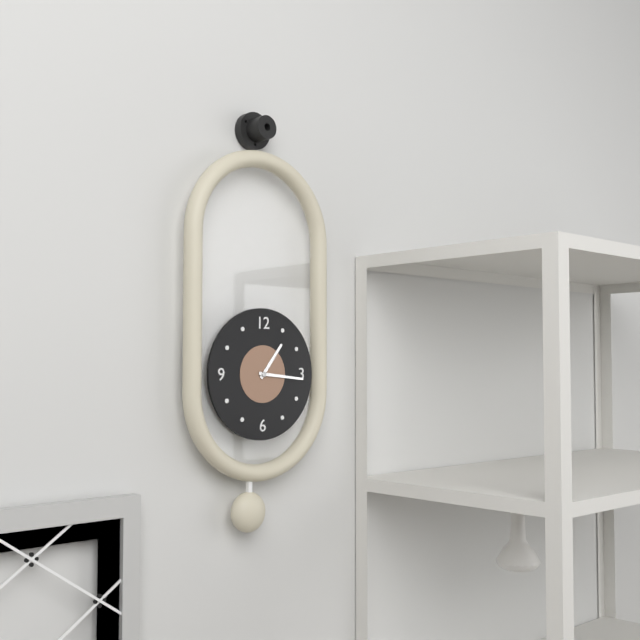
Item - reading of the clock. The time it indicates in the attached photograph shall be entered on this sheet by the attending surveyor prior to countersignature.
1:16
